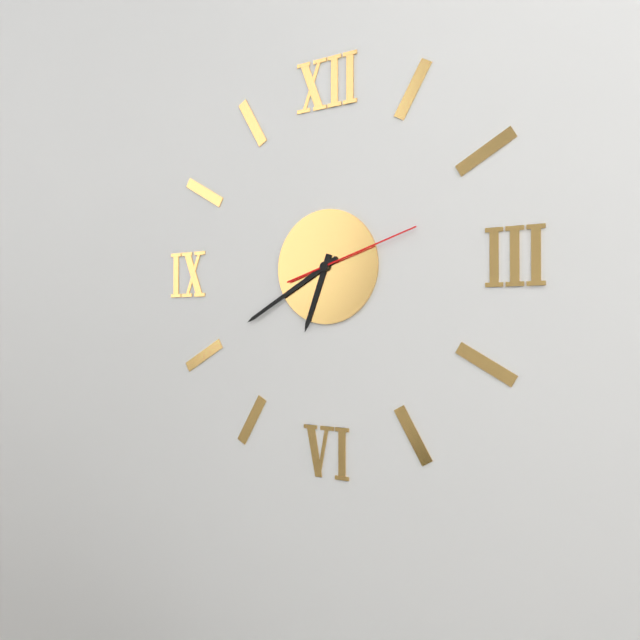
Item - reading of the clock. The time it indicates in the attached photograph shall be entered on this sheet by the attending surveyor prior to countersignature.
6:40:12
